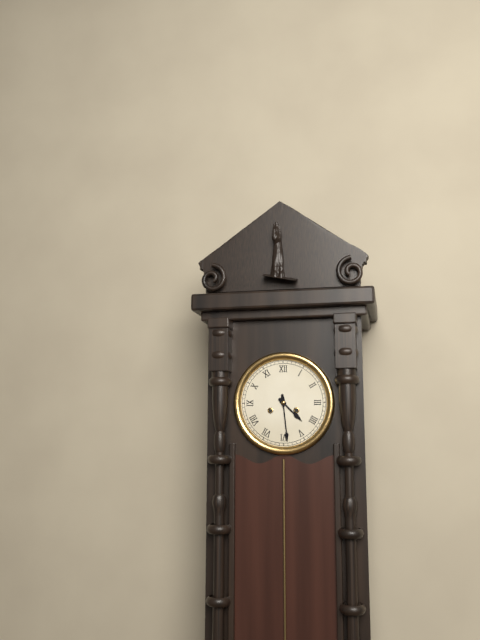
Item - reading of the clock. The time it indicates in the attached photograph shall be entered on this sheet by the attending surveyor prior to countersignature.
4:29
